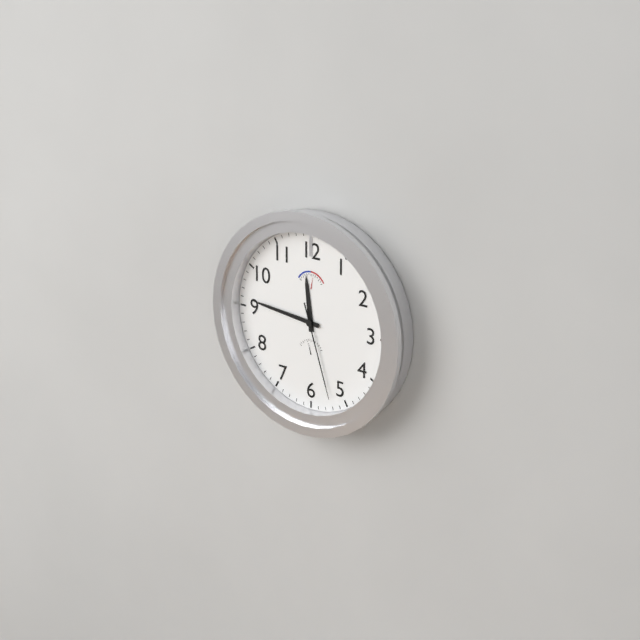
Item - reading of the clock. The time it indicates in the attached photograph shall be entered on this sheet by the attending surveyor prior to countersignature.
11:46:27
